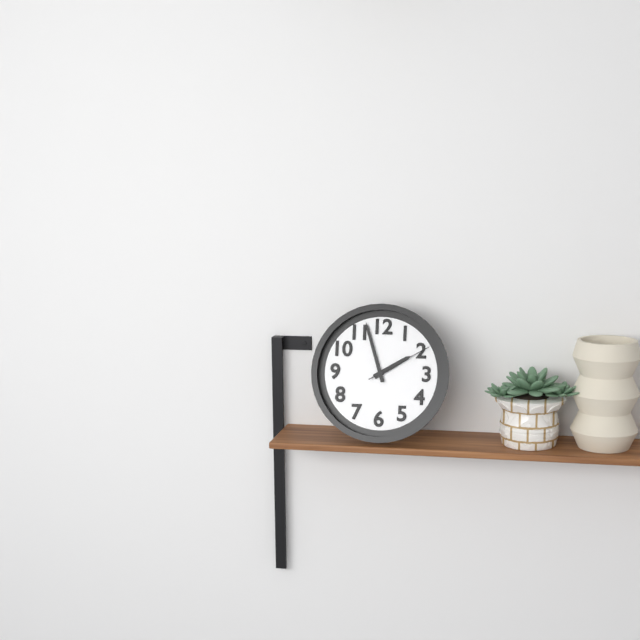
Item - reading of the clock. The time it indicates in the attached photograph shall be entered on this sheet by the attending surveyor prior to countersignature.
1:57:10
